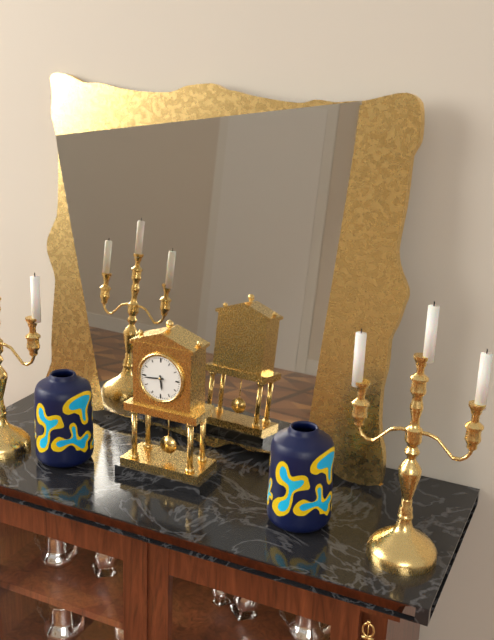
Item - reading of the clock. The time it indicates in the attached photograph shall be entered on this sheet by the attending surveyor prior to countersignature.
5:44
